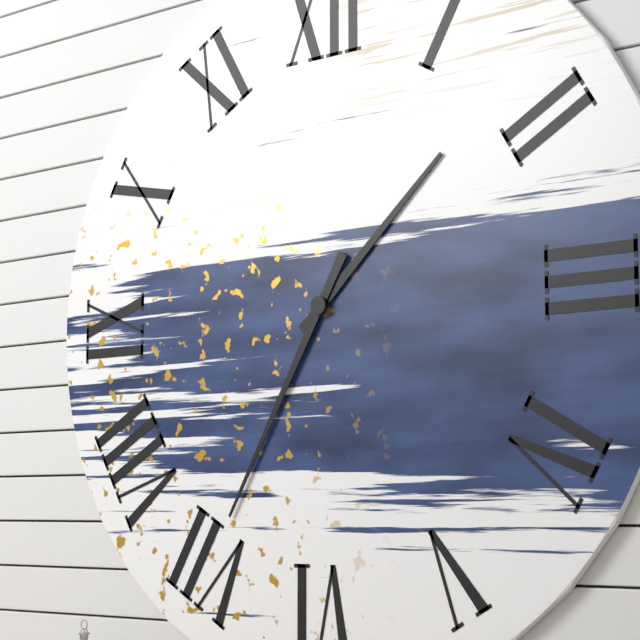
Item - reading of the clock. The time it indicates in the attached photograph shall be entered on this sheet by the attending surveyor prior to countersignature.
1:35
